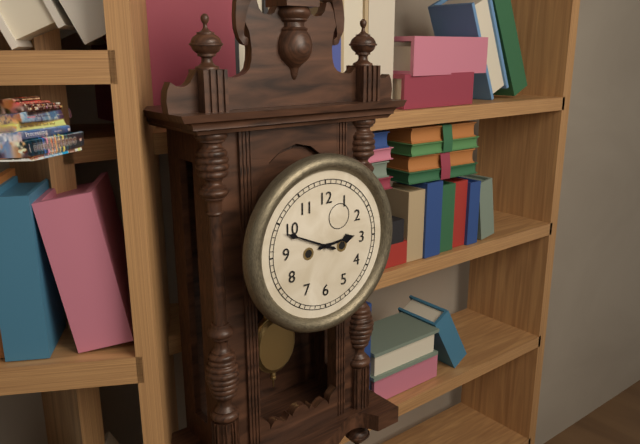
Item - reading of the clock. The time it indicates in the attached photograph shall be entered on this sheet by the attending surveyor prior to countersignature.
2:49
